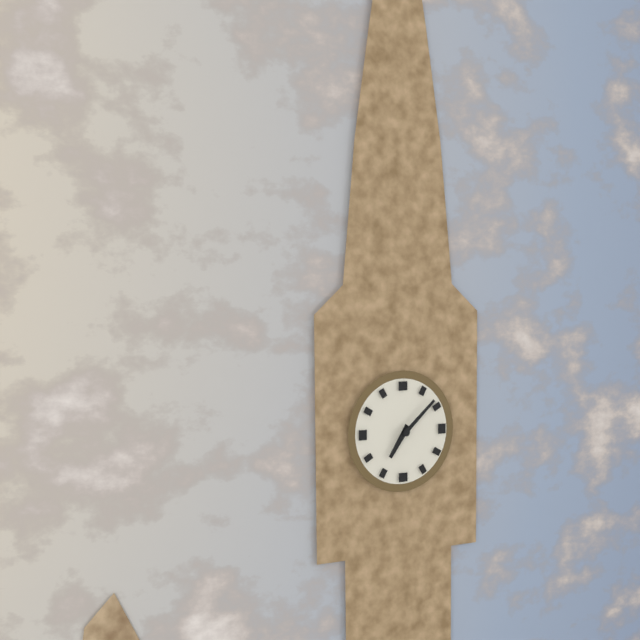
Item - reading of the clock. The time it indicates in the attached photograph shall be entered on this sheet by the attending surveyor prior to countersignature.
7:08
